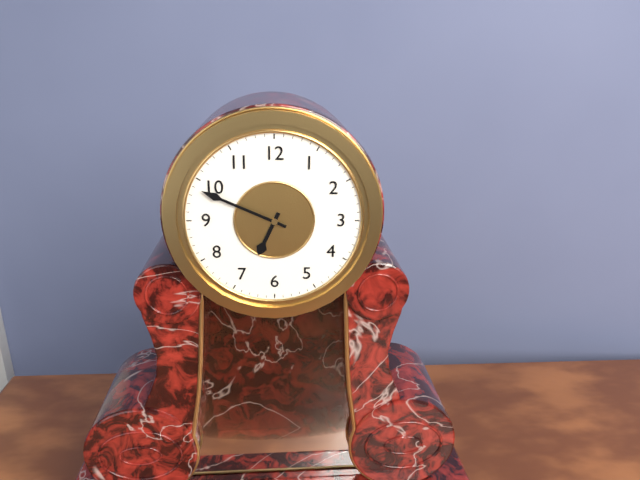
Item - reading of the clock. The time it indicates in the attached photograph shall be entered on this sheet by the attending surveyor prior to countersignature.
6:49
